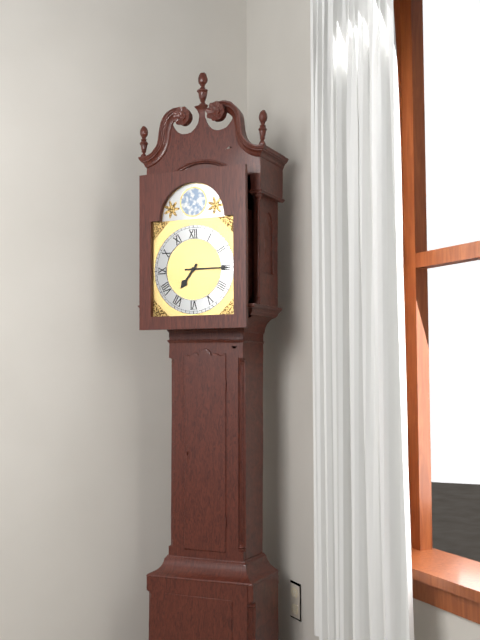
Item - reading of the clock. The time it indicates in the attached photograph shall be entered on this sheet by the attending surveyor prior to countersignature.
7:15
